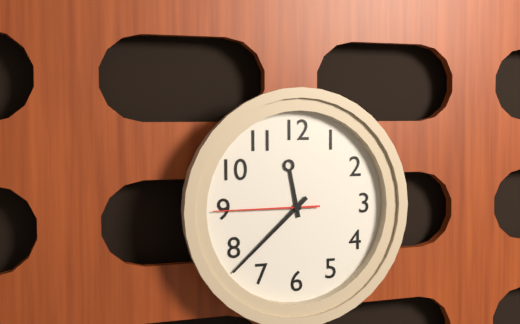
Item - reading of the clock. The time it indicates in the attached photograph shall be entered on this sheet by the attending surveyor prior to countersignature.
11:38:45
